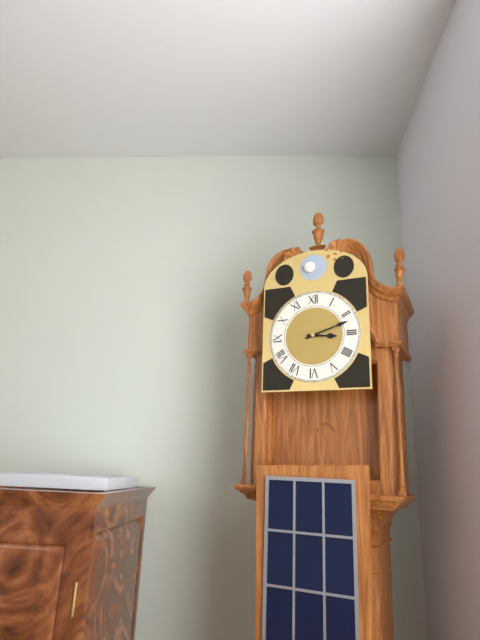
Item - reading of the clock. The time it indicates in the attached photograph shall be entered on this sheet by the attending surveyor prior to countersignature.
3:12
